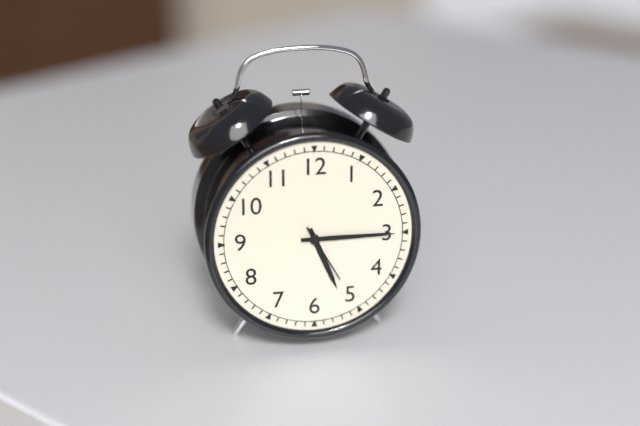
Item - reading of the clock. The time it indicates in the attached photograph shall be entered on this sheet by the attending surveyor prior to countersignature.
5:15:25
